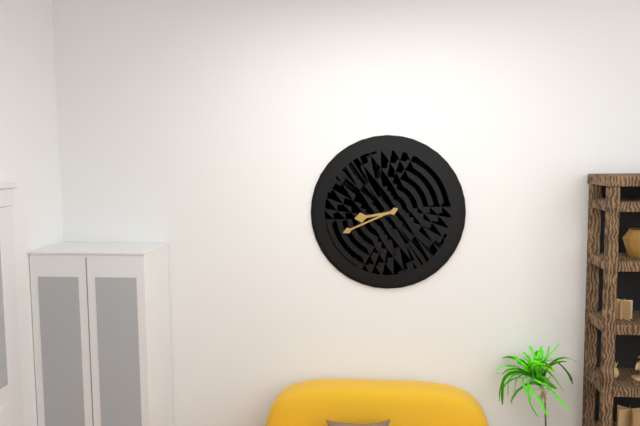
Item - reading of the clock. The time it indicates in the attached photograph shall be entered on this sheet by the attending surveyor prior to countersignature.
8:41
